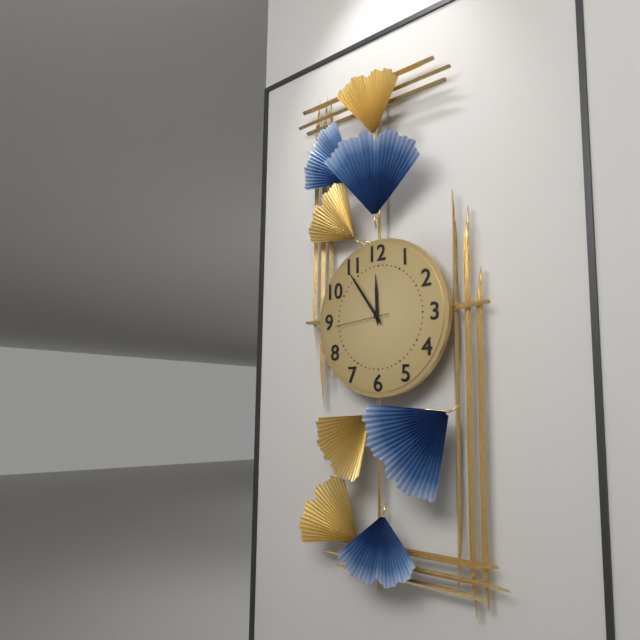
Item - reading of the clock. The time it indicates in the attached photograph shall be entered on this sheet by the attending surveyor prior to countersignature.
11:54:44
